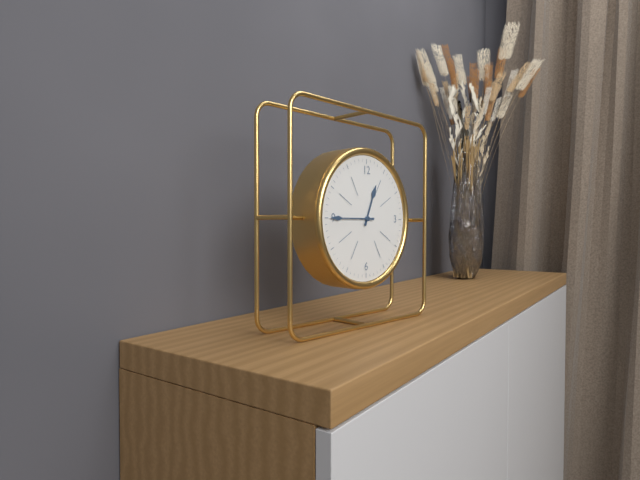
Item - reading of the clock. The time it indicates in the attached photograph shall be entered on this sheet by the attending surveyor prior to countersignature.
12:45
